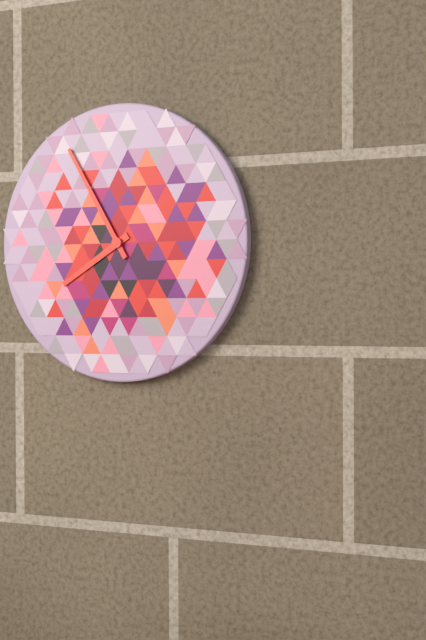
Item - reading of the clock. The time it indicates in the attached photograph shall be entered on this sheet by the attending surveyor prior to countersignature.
7:55
